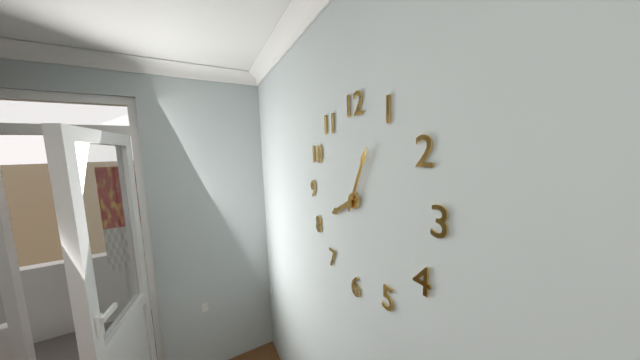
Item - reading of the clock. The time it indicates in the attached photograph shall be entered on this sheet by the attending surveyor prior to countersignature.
8:04
